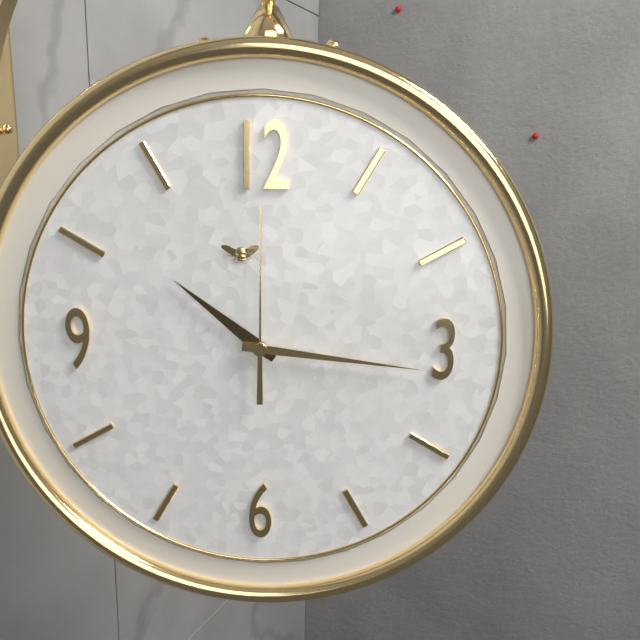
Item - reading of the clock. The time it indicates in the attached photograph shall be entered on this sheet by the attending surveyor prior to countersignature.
10:16:00
